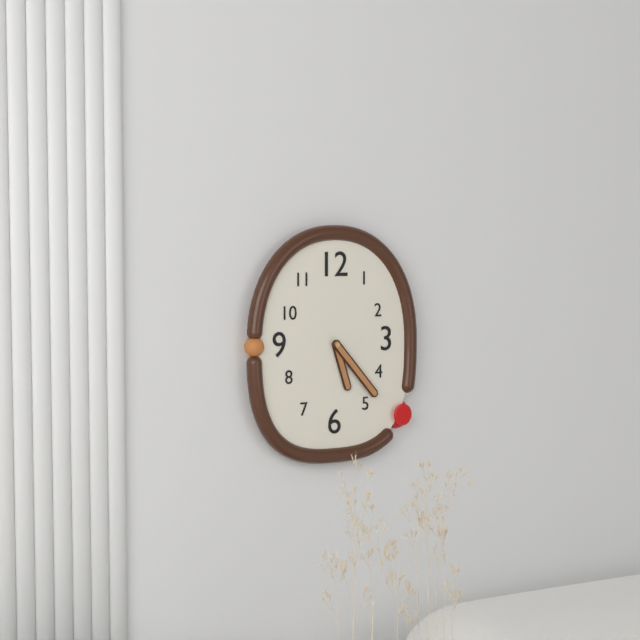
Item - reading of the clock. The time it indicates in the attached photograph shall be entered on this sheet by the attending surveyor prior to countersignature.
5:23
